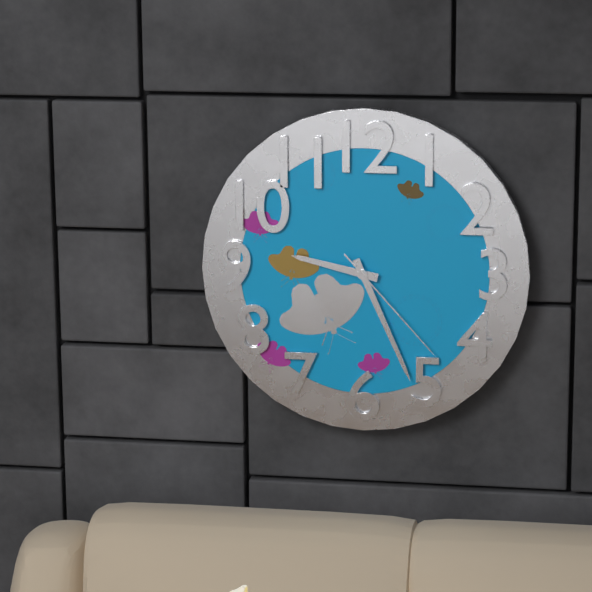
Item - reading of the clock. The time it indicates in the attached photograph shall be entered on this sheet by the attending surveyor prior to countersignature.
9:26:23
